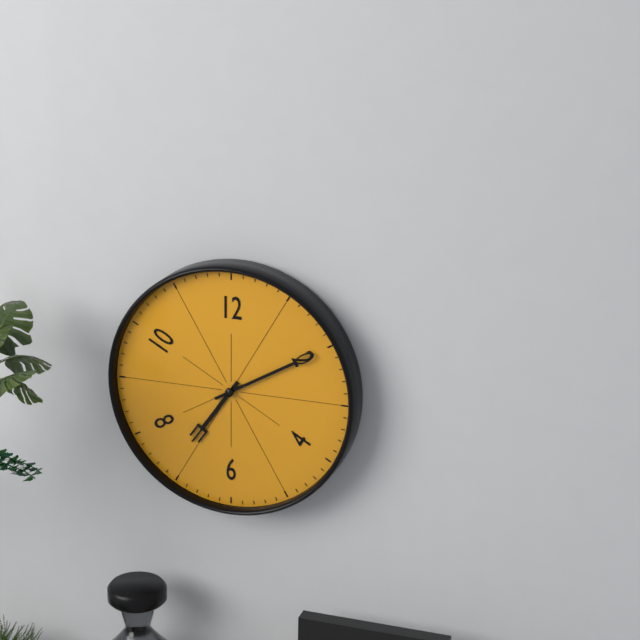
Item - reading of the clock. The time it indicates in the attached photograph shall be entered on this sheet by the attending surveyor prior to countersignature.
7:10
